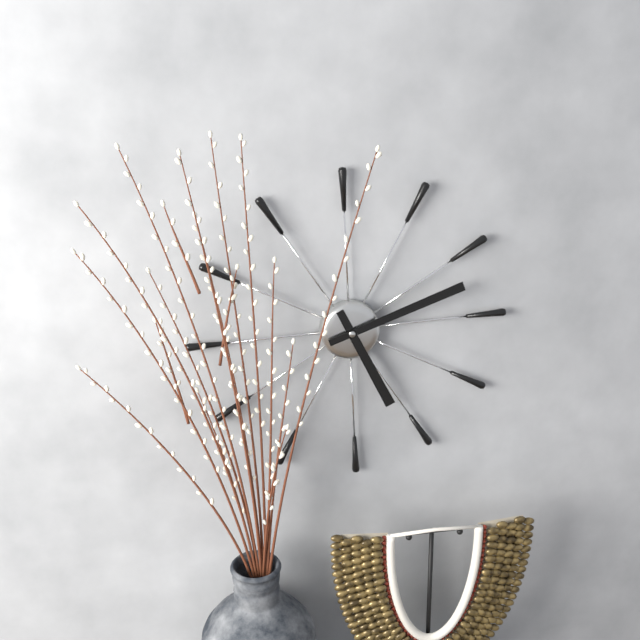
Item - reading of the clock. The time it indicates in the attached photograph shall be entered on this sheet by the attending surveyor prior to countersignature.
5:12
